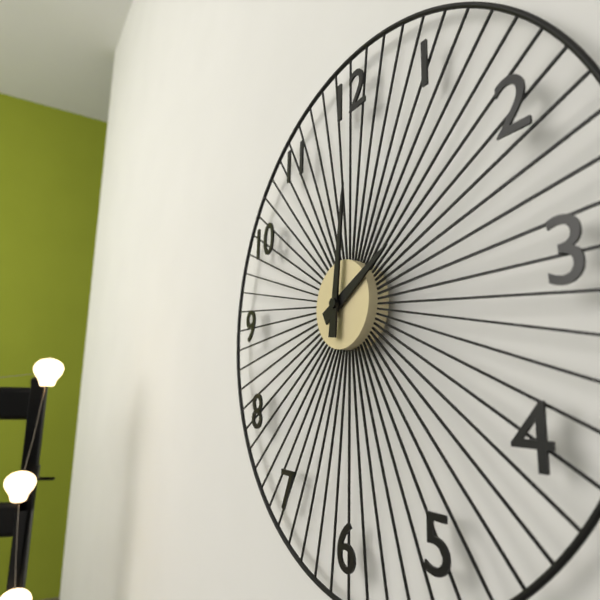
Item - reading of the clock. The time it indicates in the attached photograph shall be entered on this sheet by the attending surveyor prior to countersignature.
2:01
